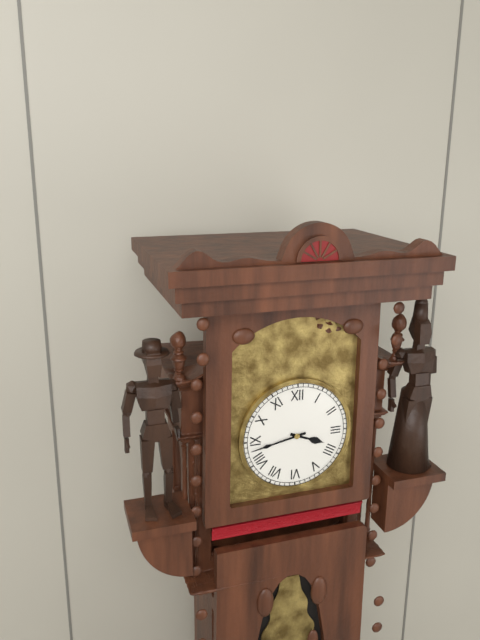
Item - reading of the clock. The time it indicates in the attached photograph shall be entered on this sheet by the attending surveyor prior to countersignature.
3:43
